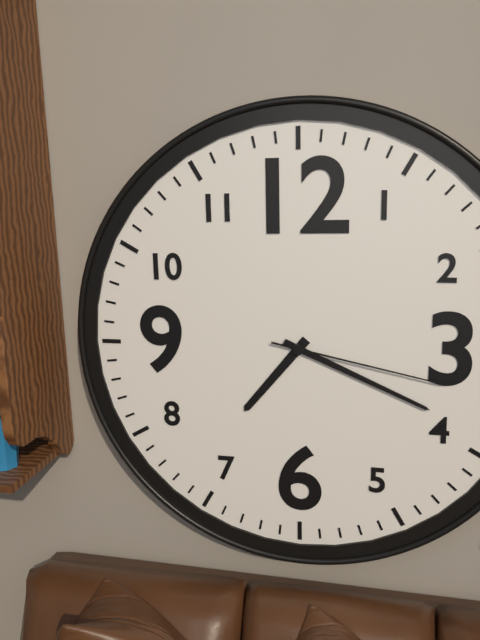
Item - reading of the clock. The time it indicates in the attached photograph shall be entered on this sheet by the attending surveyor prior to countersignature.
7:19:17
